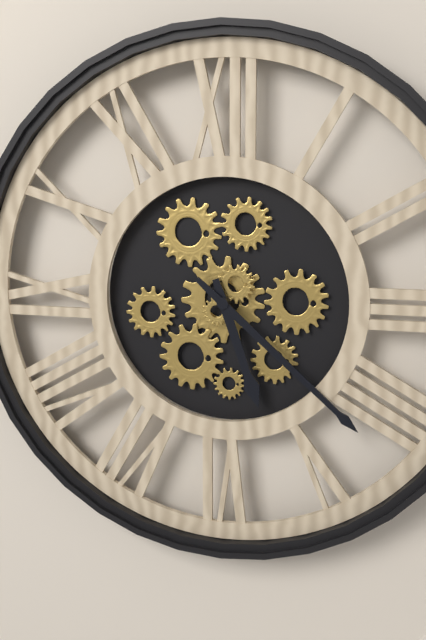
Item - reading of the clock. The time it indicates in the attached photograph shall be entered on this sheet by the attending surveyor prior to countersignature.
5:22
